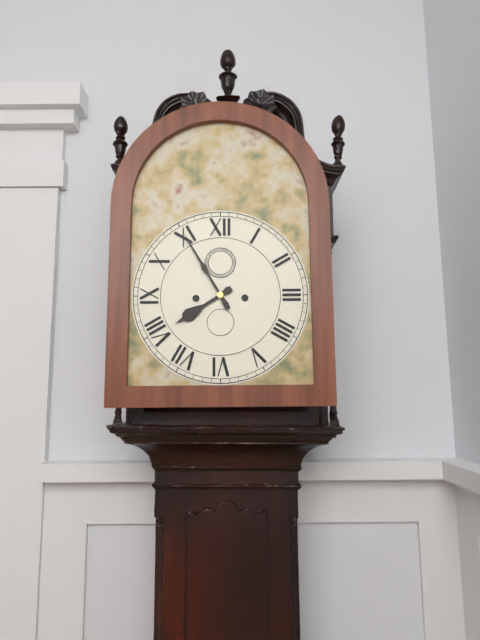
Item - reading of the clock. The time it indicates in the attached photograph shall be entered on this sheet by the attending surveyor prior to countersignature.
7:55
